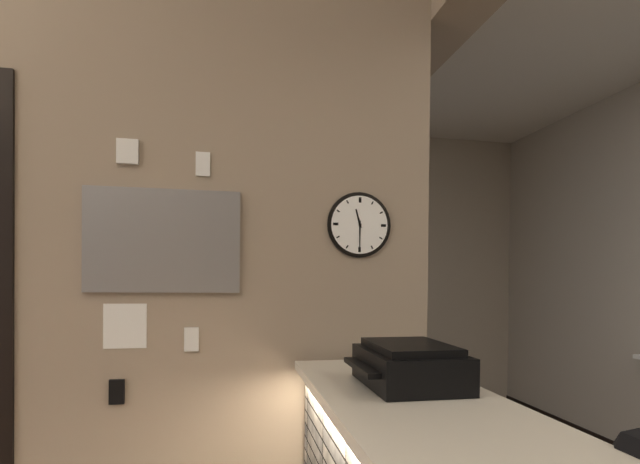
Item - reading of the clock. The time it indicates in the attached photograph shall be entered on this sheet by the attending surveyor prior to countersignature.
11:30
